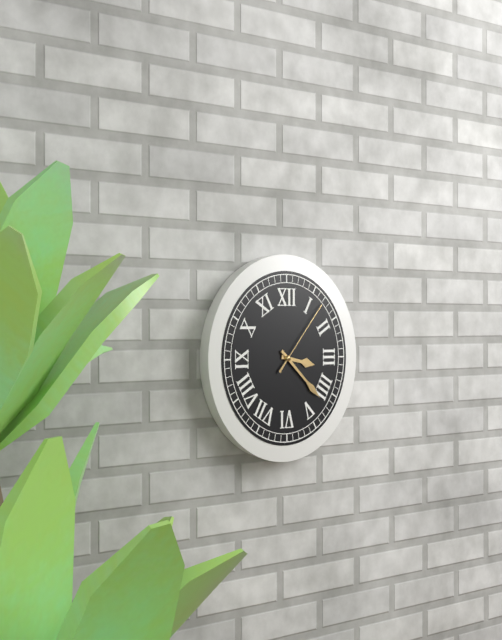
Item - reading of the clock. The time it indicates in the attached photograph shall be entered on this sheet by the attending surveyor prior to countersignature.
3:22:07
